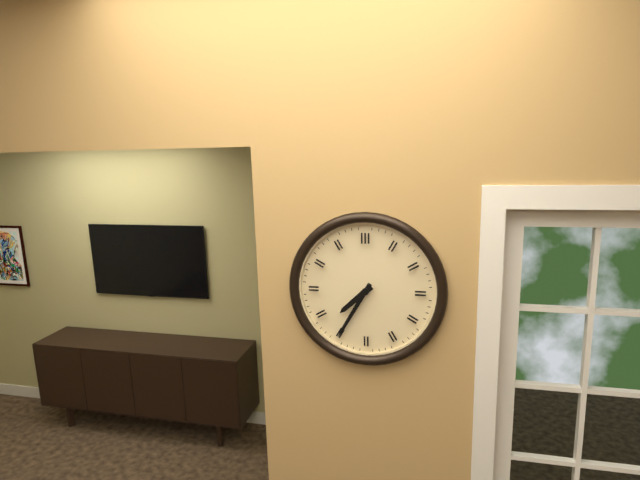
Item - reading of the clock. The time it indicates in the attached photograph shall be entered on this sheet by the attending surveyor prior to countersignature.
7:35
